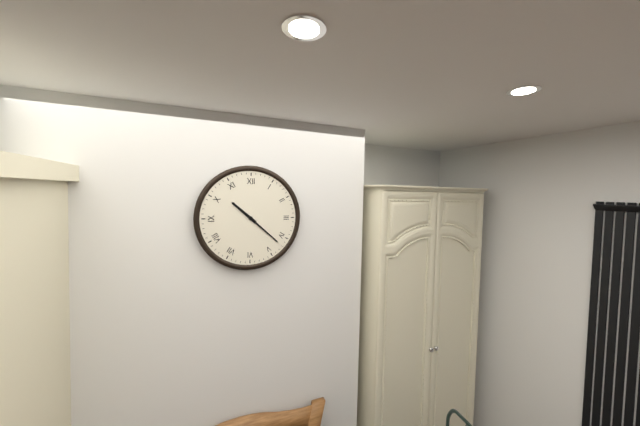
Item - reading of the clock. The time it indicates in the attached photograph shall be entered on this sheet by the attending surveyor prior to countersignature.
10:22
